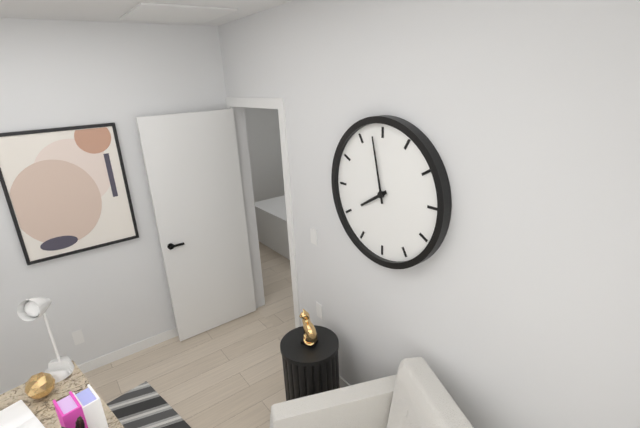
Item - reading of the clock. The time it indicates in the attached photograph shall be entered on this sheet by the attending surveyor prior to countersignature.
7:58
